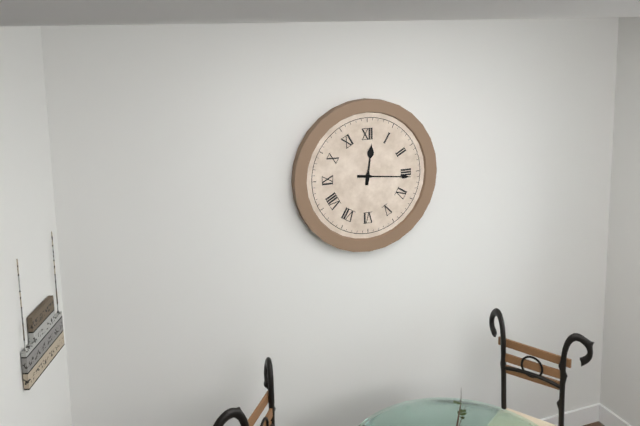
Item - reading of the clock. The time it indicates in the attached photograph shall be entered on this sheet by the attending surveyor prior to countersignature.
12:16
